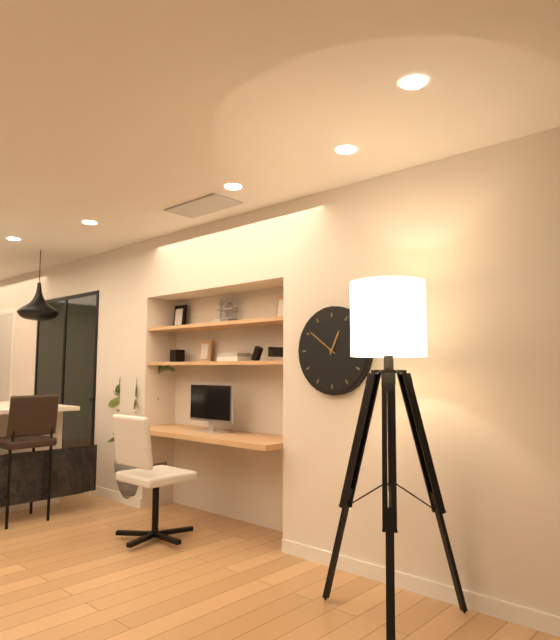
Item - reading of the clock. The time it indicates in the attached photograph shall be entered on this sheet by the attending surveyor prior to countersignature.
12:51
